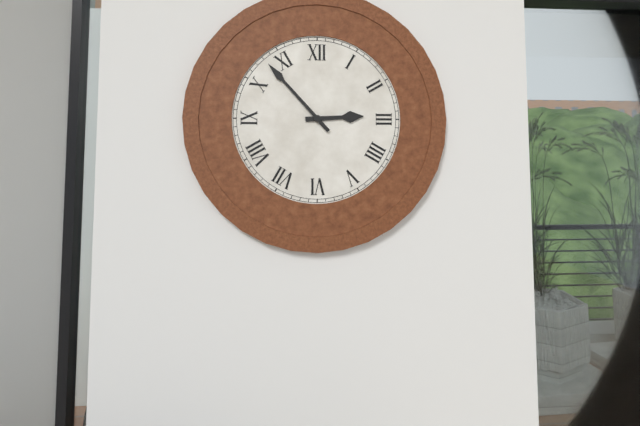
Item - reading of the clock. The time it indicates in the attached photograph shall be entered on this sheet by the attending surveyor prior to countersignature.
2:53
